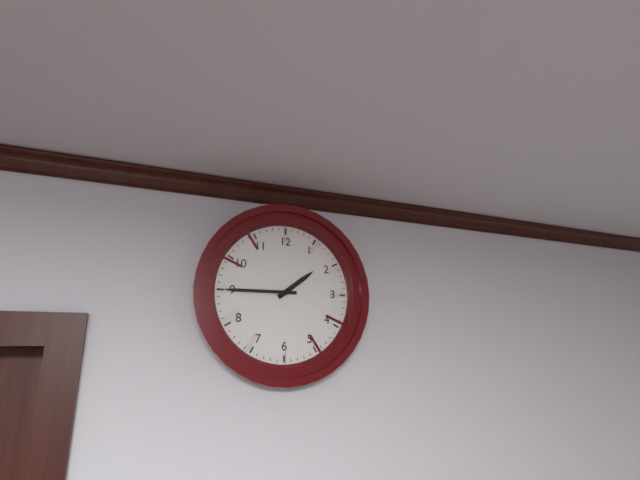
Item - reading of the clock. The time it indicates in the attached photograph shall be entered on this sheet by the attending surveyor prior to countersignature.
1:45
